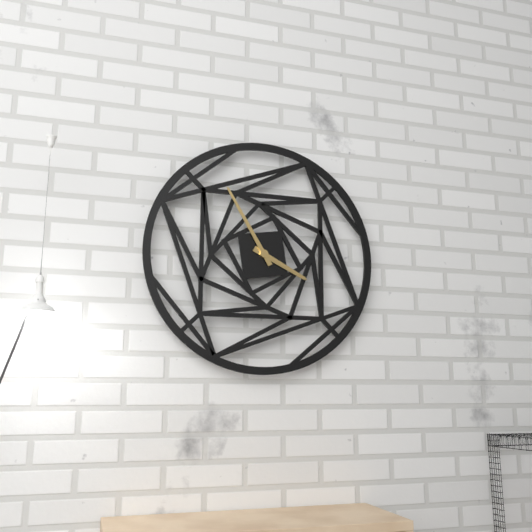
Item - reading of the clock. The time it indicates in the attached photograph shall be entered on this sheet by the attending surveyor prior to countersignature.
3:55
